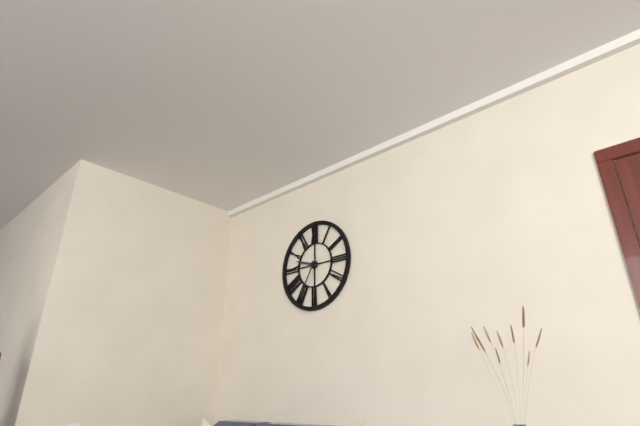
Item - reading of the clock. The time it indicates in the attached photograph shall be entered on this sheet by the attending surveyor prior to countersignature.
9:35
